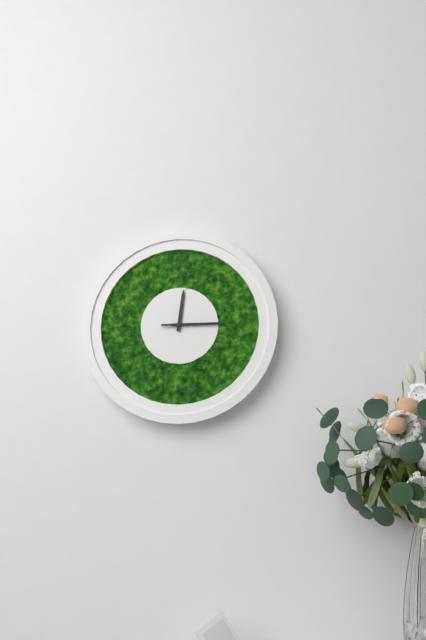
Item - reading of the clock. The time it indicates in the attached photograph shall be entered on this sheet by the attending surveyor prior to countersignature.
12:15
